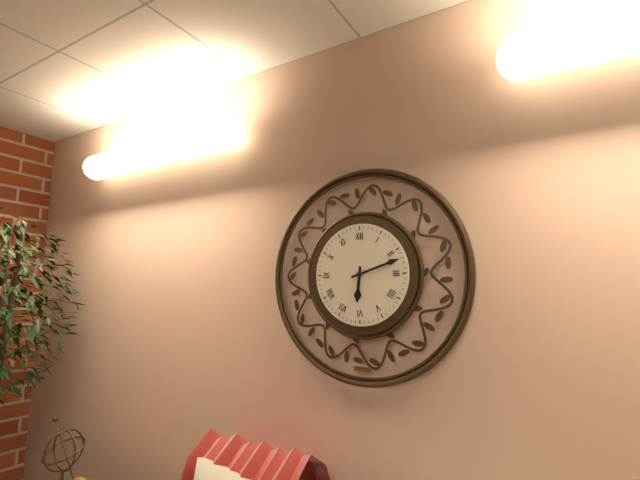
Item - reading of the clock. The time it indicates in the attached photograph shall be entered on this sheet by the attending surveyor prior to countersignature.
6:12
